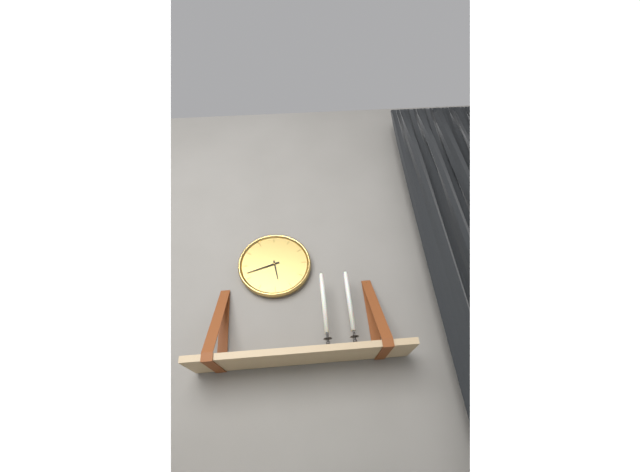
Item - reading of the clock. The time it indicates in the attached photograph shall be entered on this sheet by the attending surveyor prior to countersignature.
5:42
